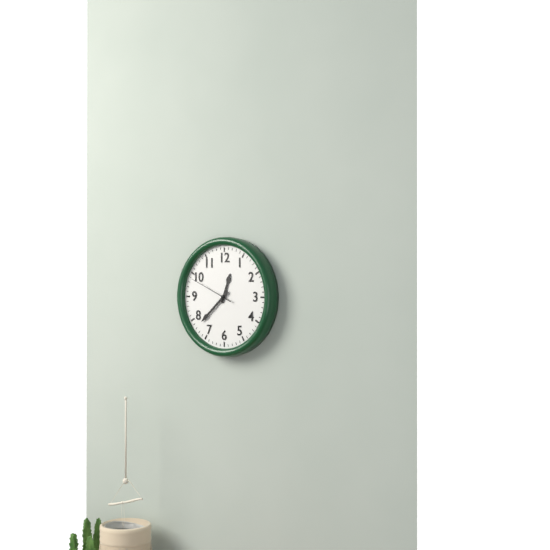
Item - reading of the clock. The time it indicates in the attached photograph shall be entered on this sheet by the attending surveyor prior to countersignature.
12:38:49
